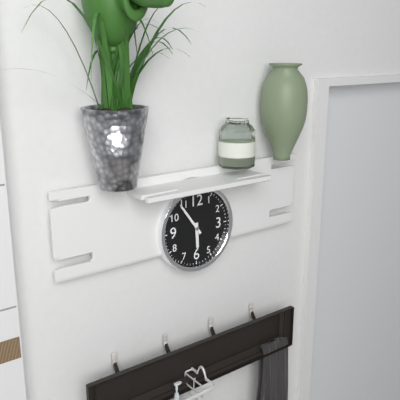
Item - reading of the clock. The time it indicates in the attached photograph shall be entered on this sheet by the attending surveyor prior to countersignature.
5:54
